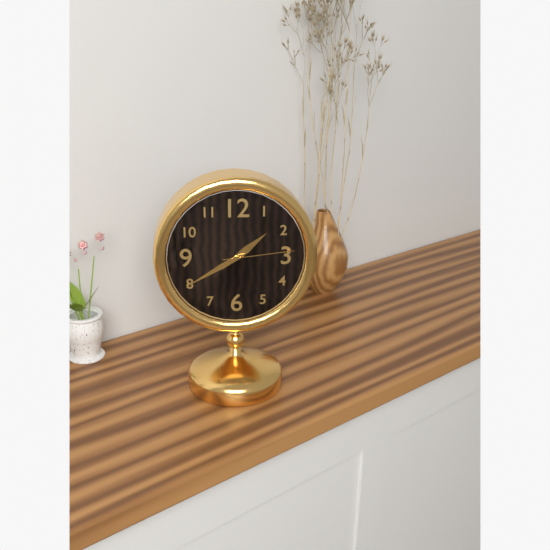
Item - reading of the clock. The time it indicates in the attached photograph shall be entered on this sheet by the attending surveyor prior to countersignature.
1:40:14
